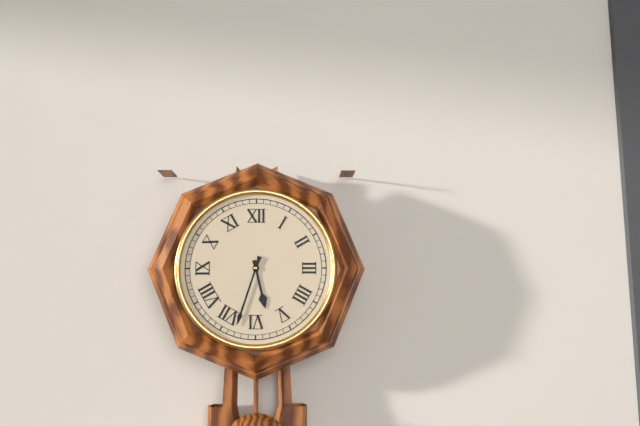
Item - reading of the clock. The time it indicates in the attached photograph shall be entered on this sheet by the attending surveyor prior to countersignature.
5:33
